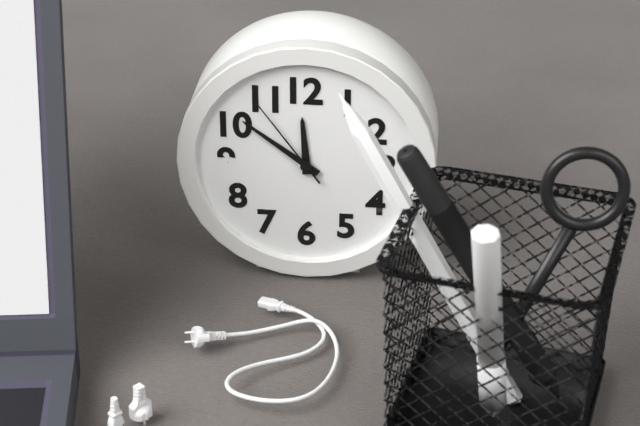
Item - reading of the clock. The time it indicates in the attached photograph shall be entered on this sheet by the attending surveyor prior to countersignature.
11:51:54
